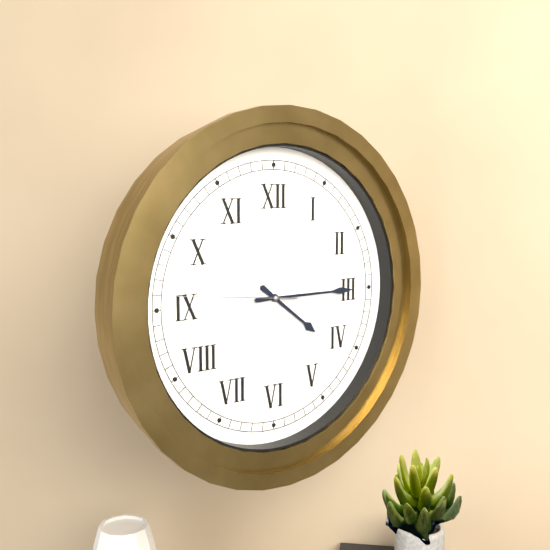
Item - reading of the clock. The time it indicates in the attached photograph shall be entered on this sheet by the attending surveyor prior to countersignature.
4:15:46
